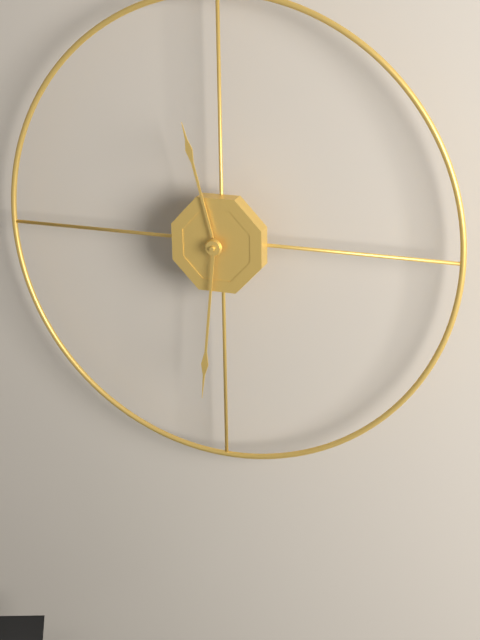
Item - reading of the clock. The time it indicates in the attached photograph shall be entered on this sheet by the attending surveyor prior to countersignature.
11:31
